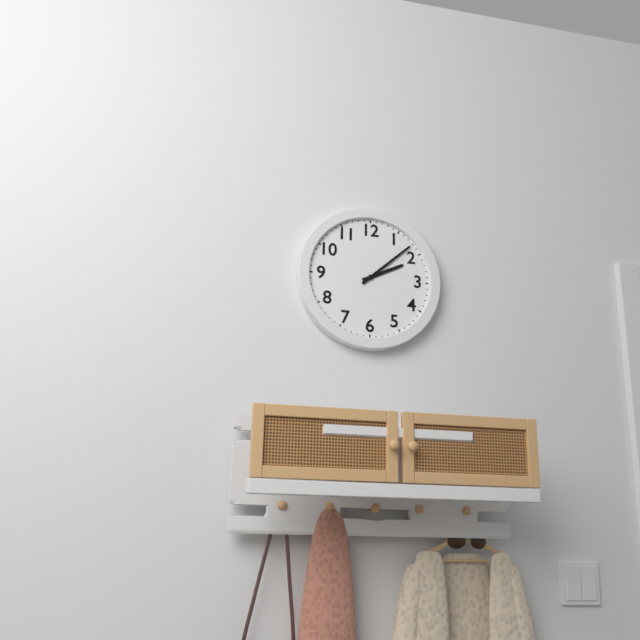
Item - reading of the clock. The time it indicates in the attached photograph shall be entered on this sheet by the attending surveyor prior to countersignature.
2:08
